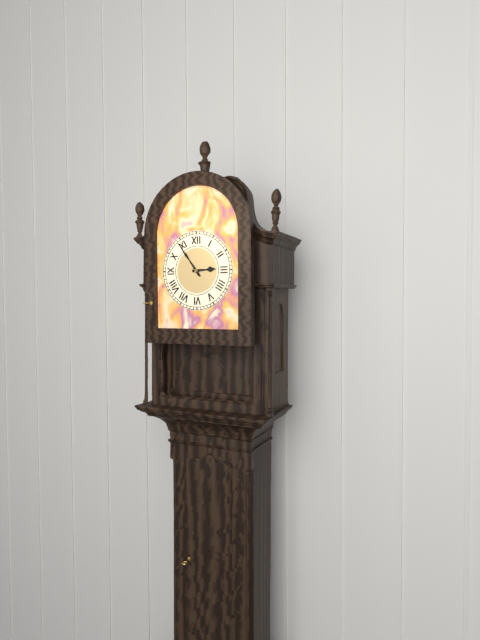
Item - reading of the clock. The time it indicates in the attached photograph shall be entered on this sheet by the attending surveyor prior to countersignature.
2:54
